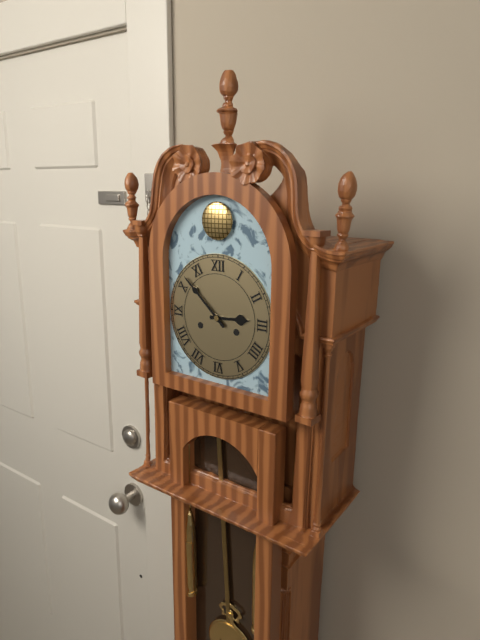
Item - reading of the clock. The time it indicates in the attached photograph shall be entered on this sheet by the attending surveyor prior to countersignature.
2:52
